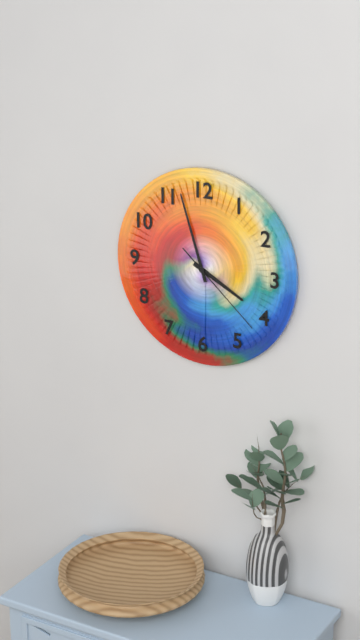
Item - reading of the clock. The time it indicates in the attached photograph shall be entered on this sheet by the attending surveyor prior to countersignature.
3:57:22
